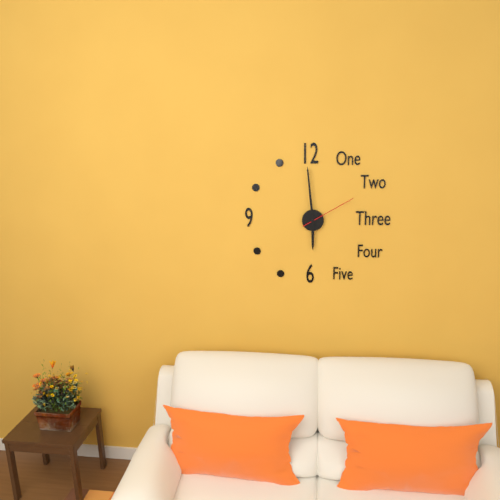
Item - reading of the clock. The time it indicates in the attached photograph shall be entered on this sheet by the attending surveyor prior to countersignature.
5:59:10
